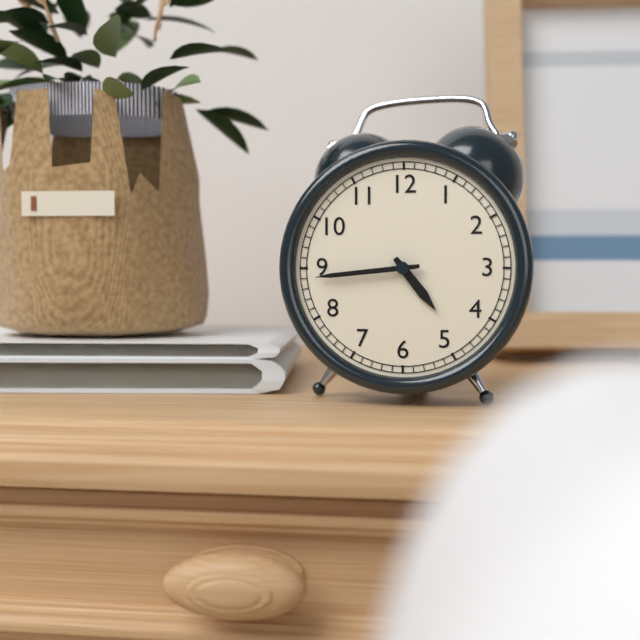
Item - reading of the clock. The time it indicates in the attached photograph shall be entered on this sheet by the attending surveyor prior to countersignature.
4:44
